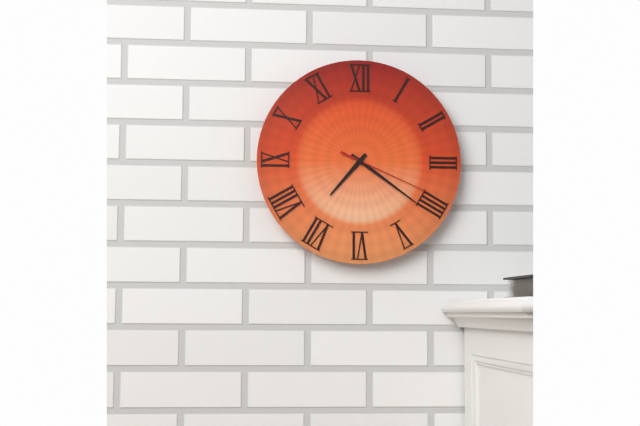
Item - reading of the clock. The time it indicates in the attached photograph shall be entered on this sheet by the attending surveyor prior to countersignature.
7:21:19
